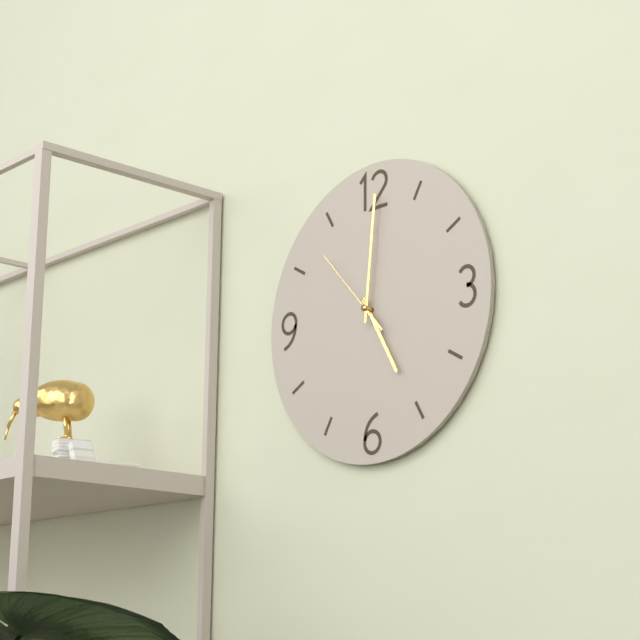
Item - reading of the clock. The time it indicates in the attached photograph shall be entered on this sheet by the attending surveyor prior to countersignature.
5:01:53
